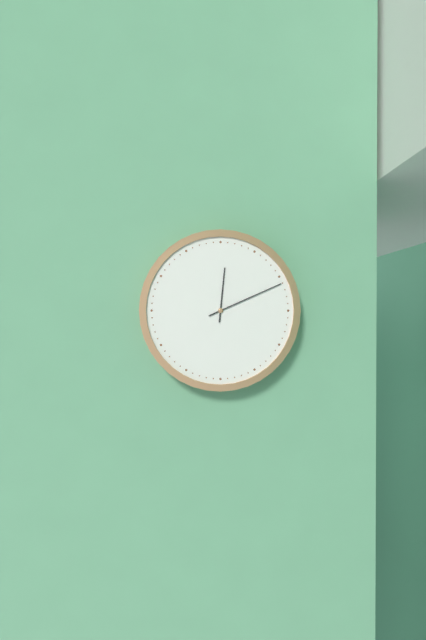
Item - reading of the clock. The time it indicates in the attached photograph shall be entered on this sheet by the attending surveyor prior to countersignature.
12:11
